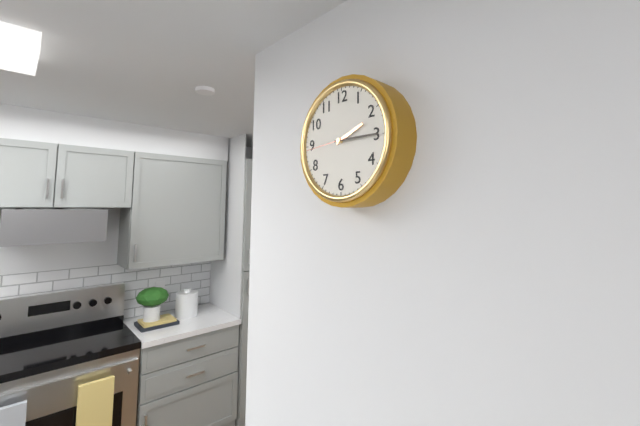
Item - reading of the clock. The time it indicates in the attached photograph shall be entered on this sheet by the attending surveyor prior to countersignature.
2:15
